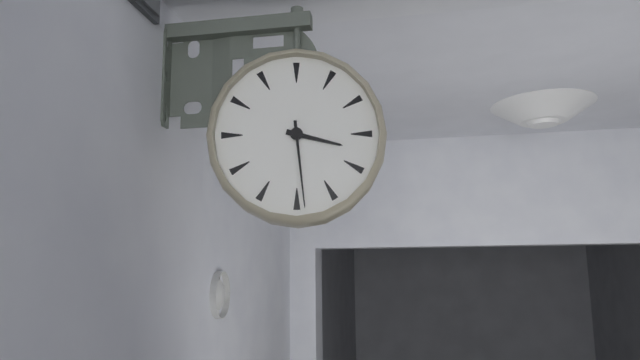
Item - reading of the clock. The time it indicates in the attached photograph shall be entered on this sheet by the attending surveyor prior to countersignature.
3:29
